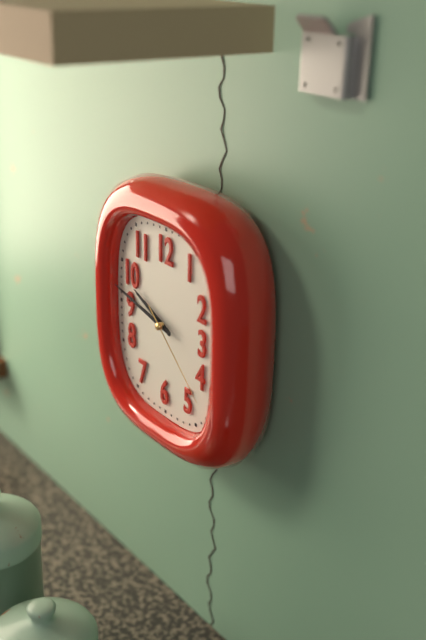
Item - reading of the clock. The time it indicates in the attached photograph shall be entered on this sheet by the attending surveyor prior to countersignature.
9:47:22
